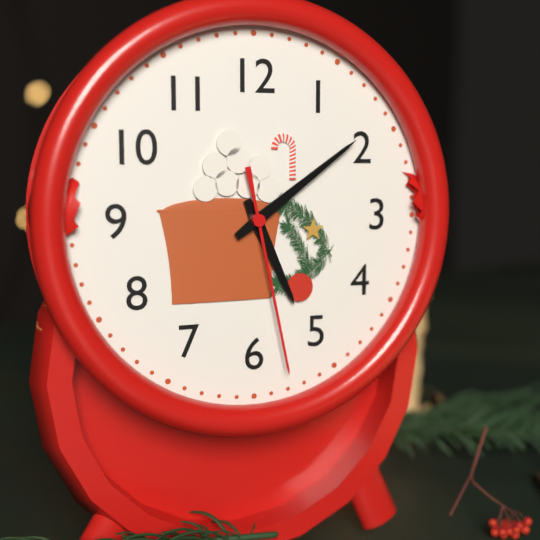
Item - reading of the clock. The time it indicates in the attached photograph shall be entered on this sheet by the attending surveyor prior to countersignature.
5:09:28
